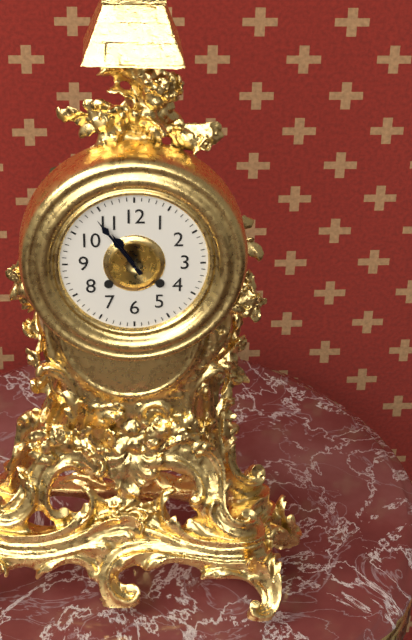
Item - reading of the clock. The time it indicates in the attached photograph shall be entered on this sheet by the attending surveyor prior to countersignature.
10:54
